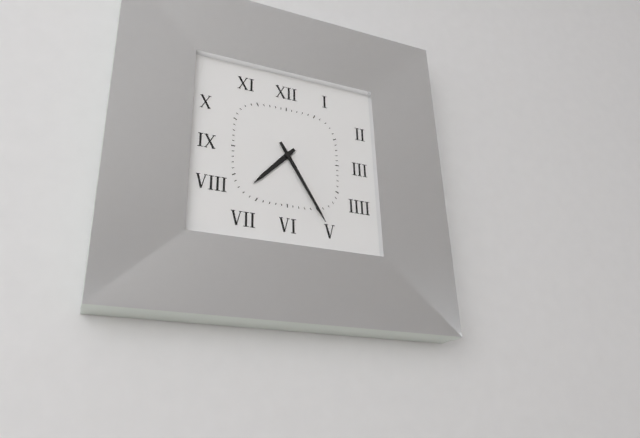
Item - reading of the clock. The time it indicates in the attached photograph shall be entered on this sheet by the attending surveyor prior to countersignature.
7:25
